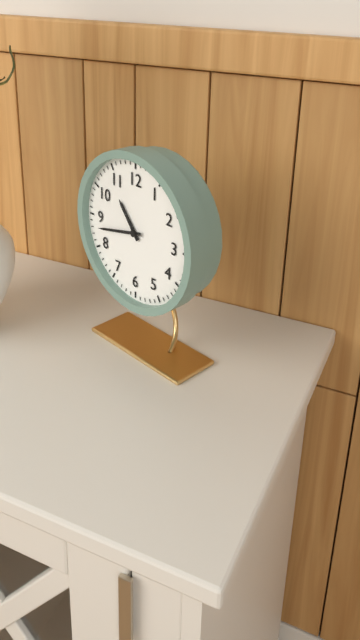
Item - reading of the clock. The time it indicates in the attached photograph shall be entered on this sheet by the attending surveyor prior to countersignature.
10:43
